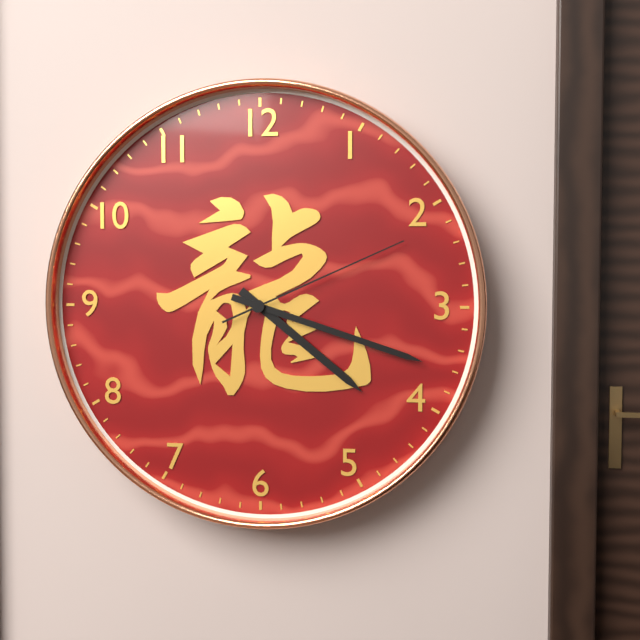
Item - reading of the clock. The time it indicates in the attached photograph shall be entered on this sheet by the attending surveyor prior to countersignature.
4:18:11
